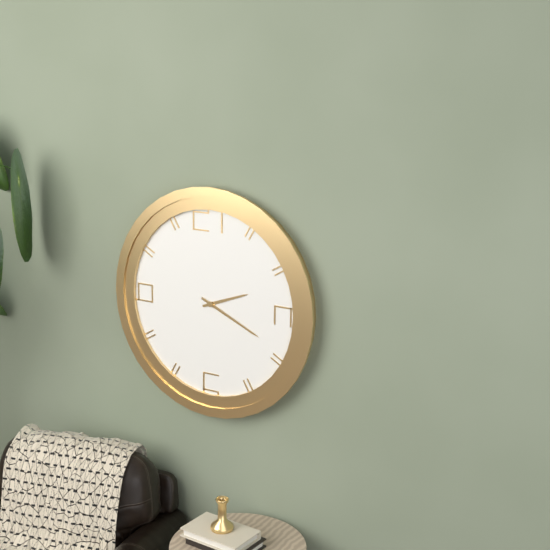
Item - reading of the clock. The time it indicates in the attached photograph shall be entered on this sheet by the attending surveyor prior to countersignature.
2:19
